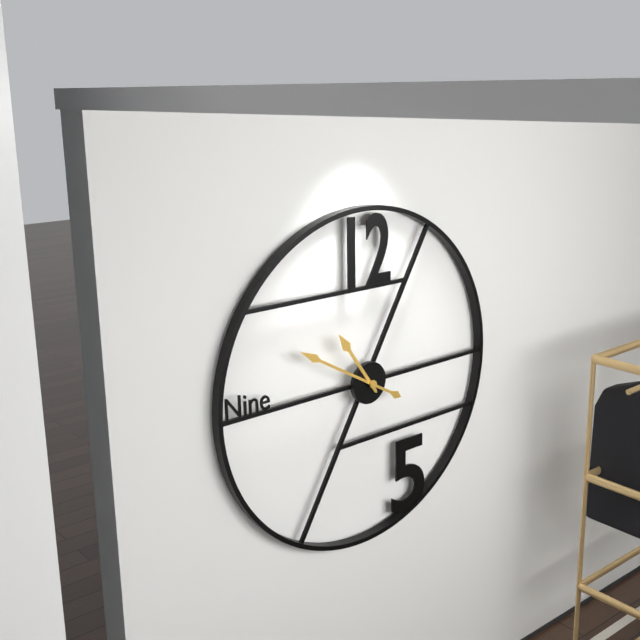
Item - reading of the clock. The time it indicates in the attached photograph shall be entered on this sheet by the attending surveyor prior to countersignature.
10:50
